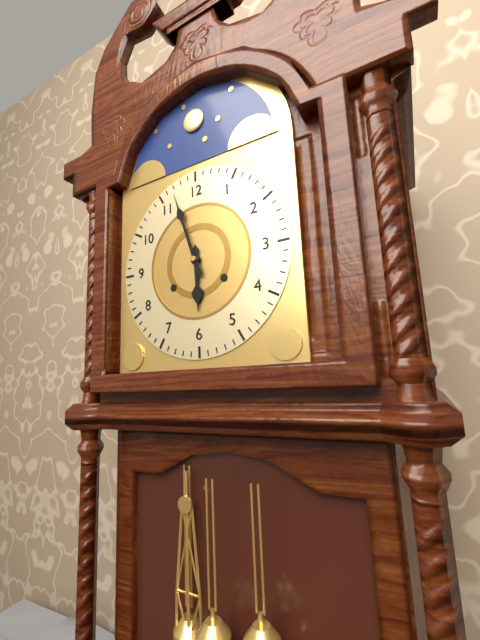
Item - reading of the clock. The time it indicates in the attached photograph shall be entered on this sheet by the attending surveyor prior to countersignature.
5:57
